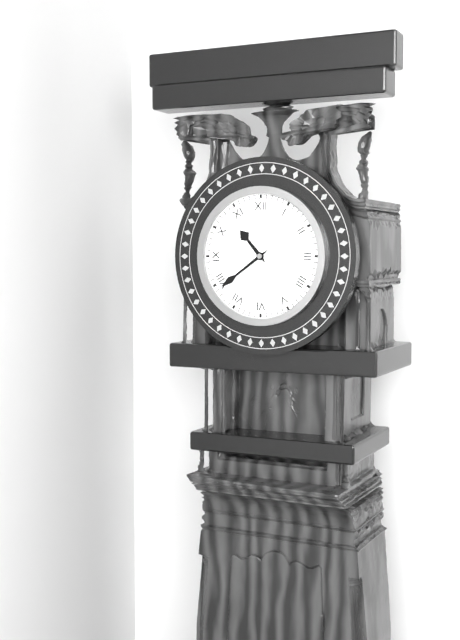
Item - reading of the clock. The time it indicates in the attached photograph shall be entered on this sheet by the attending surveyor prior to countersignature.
10:39
